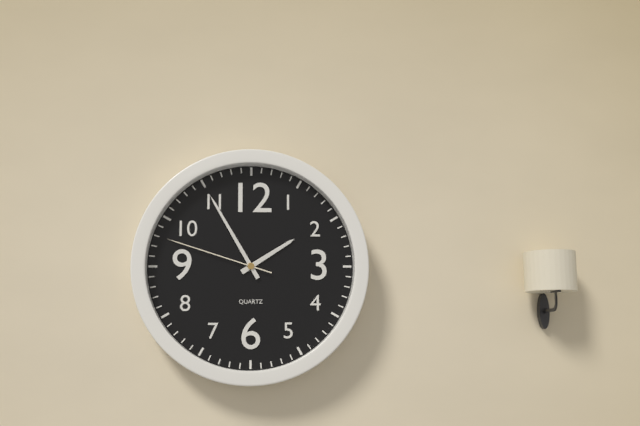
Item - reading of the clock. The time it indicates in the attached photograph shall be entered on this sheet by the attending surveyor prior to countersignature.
1:55:48
